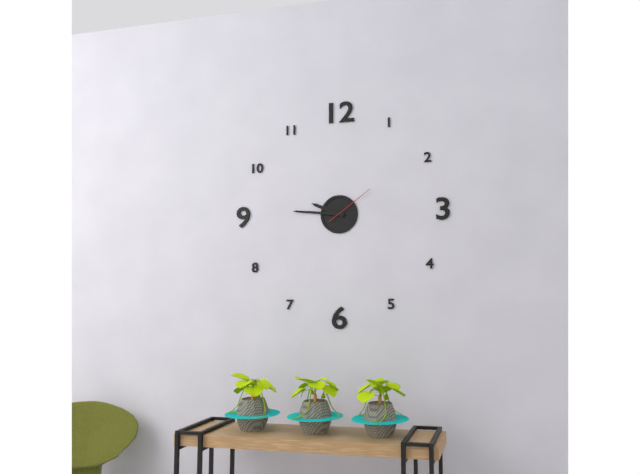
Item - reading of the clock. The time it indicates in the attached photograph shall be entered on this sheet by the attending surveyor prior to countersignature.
9:46:09
